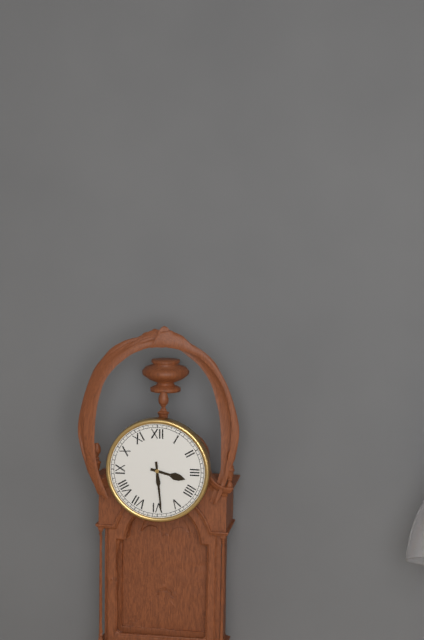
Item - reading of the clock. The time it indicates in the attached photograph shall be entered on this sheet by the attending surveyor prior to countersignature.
3:29
